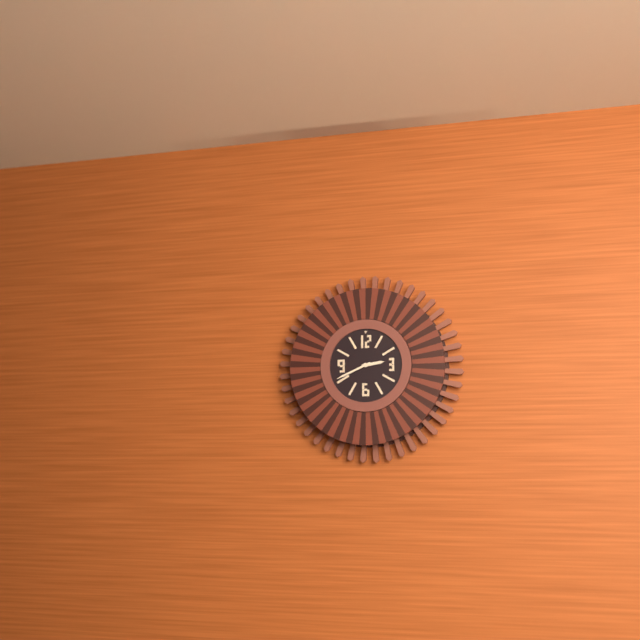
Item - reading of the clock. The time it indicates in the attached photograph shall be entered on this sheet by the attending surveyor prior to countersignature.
2:41
